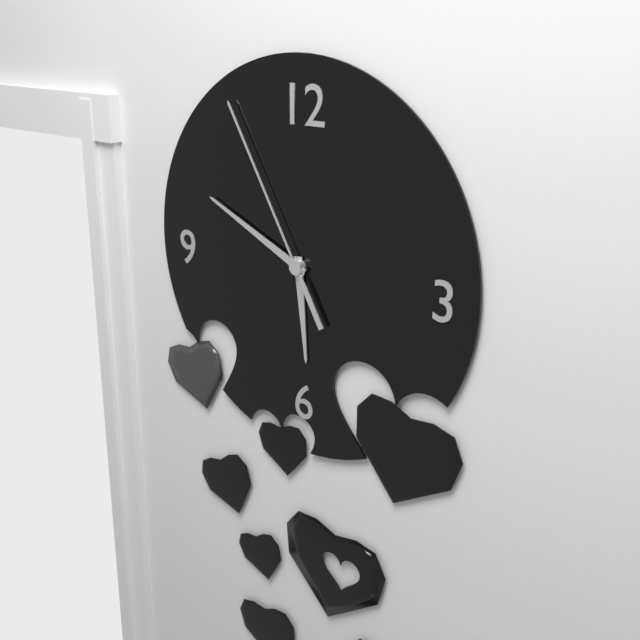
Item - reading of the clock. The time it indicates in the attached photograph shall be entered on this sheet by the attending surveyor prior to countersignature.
5:49:55
